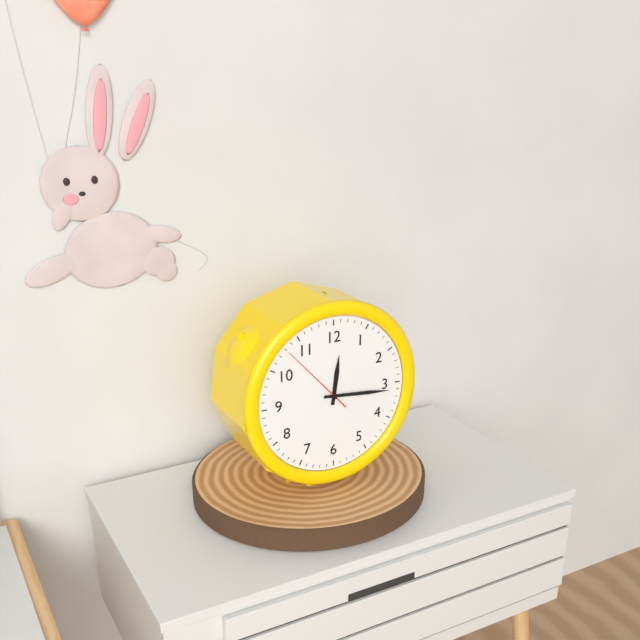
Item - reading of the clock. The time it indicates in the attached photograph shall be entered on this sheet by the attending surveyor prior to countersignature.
12:16:53
